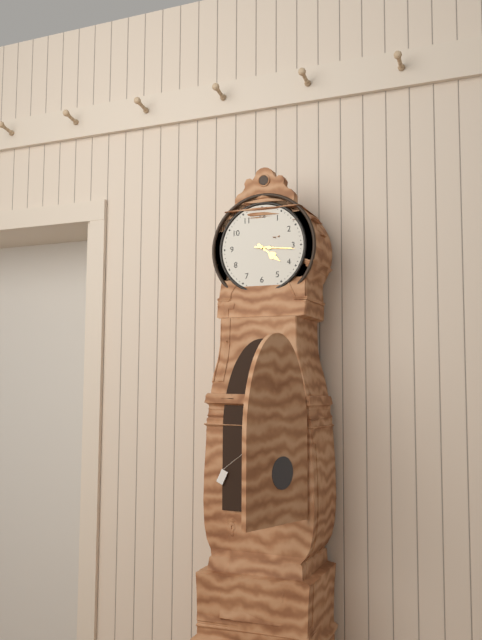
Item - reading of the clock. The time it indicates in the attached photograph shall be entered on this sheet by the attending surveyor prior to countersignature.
4:16
